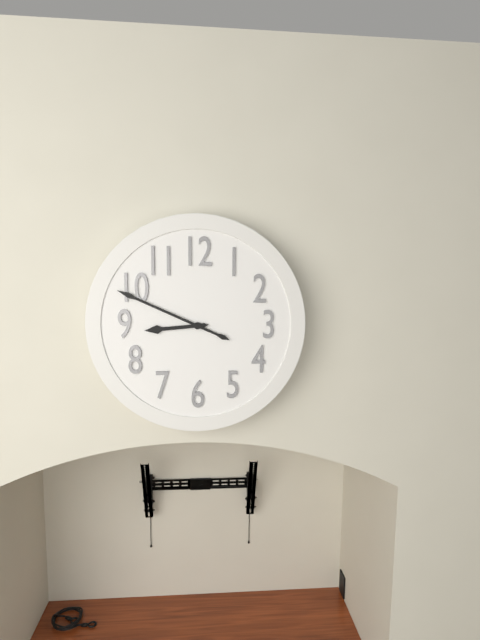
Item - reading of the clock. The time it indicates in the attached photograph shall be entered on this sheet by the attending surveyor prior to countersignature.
8:49
